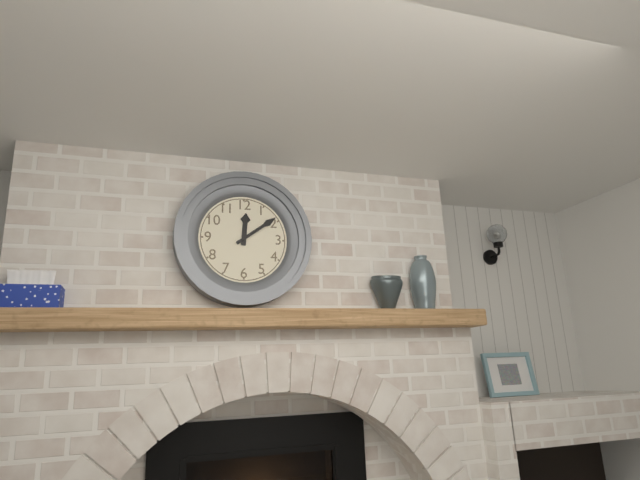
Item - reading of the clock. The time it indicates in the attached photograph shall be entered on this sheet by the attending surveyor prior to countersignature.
12:09
